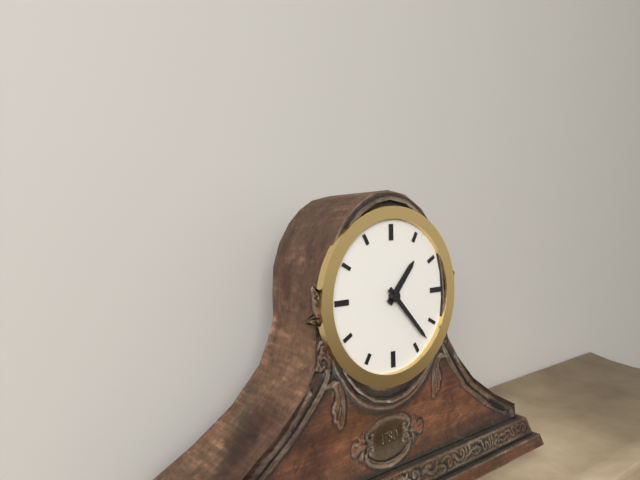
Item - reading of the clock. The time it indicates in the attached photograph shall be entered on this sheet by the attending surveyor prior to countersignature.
1:23
